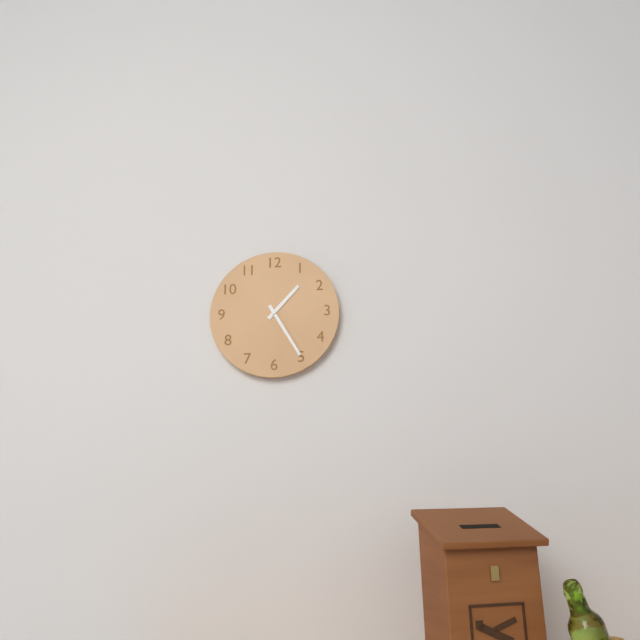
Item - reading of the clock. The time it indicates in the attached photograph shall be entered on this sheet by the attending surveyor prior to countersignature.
1:25
